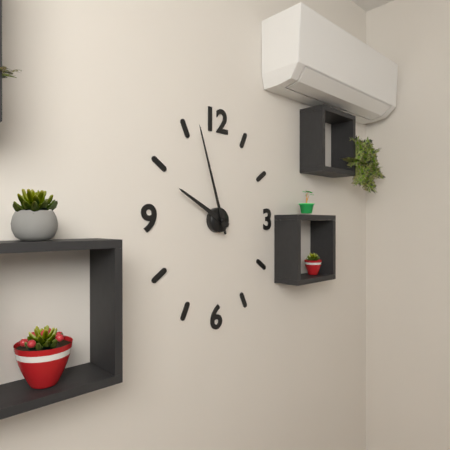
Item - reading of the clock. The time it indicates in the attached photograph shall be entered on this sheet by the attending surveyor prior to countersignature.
9:57
